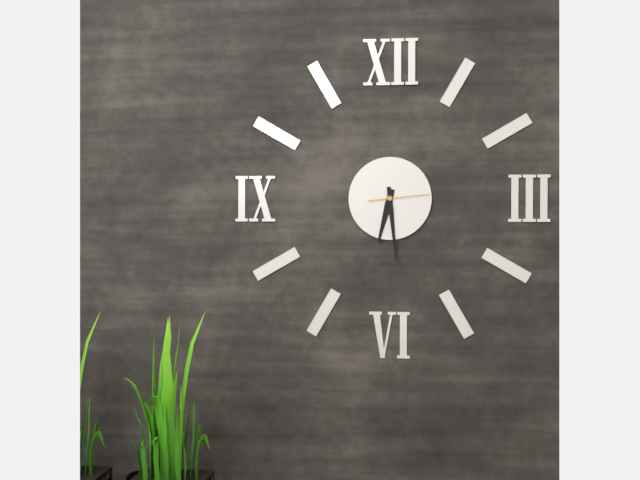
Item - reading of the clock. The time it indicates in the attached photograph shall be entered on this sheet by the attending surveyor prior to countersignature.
6:29:14
